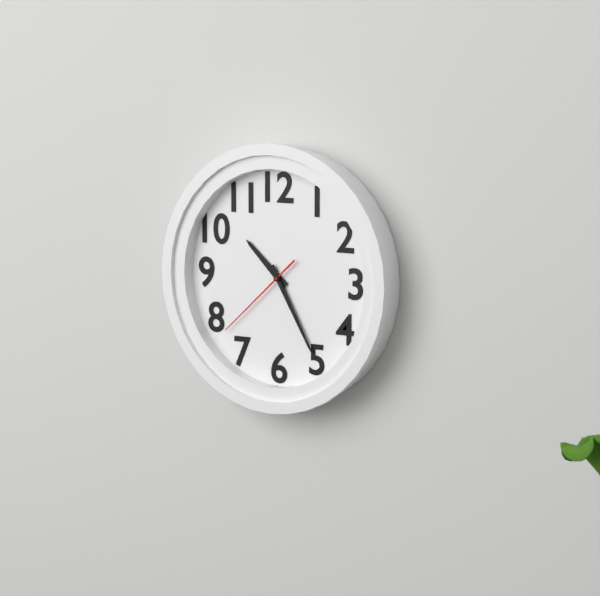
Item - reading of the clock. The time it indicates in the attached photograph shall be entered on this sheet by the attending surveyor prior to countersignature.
10:25:38
